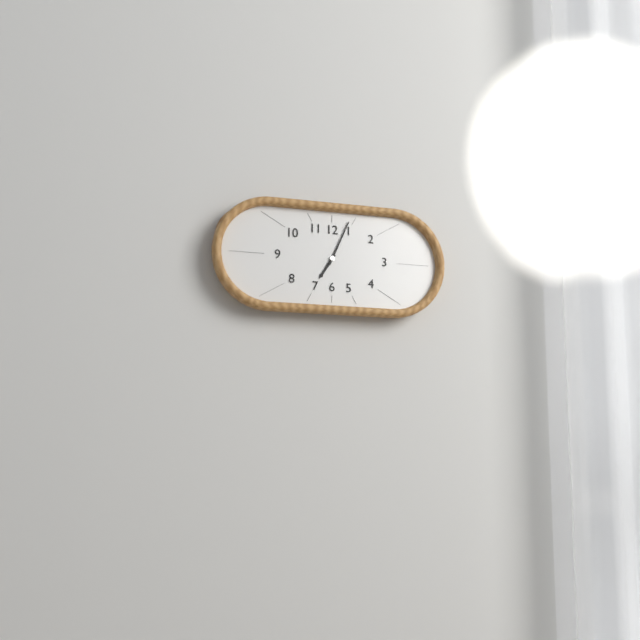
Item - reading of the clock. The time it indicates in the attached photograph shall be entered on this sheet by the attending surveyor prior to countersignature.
7:04
